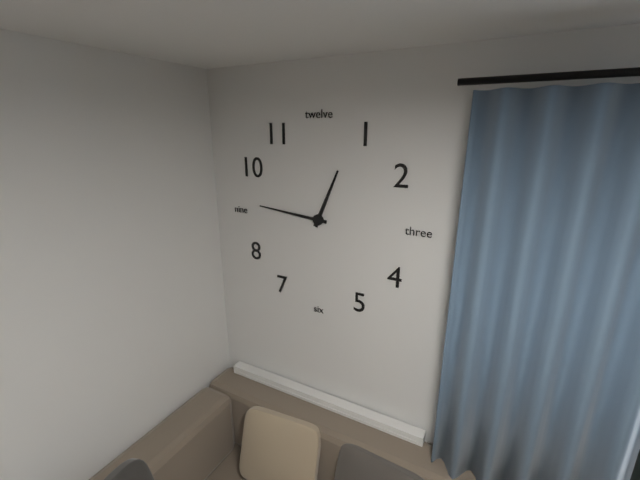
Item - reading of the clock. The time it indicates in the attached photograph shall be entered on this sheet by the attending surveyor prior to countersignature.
12:46
